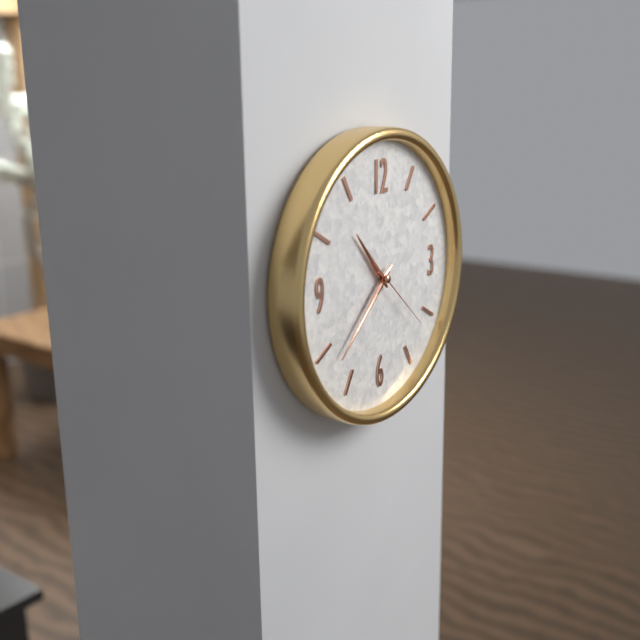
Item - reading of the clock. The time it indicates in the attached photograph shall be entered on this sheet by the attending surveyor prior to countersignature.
10:38:22
